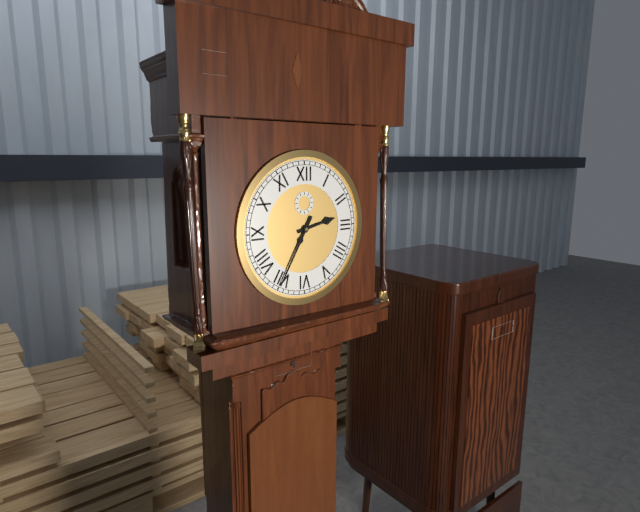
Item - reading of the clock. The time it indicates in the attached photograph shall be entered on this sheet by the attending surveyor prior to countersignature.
2:35
